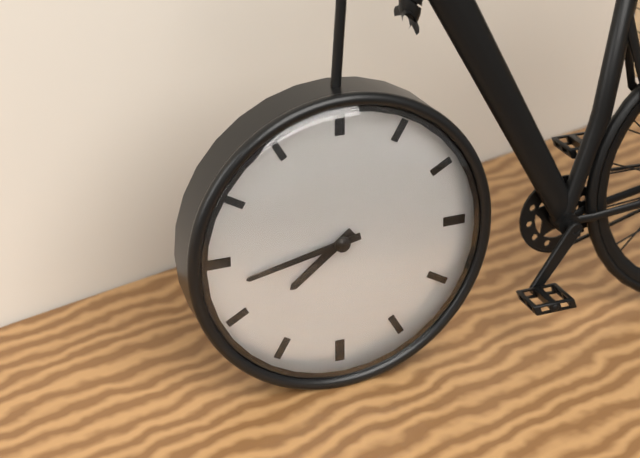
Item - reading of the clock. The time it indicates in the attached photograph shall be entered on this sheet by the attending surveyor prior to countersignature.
7:43
